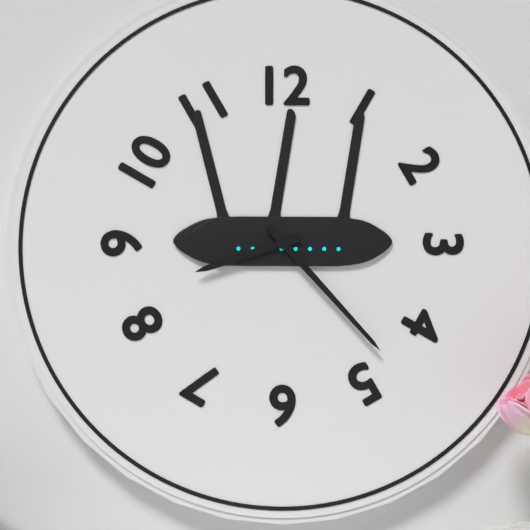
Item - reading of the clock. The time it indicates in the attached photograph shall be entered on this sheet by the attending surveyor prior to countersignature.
8:23
